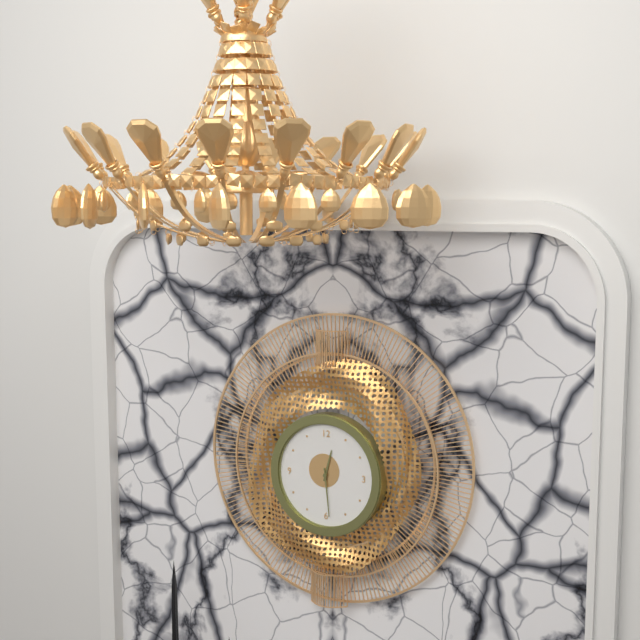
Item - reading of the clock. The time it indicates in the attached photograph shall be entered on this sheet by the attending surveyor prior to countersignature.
12:29
